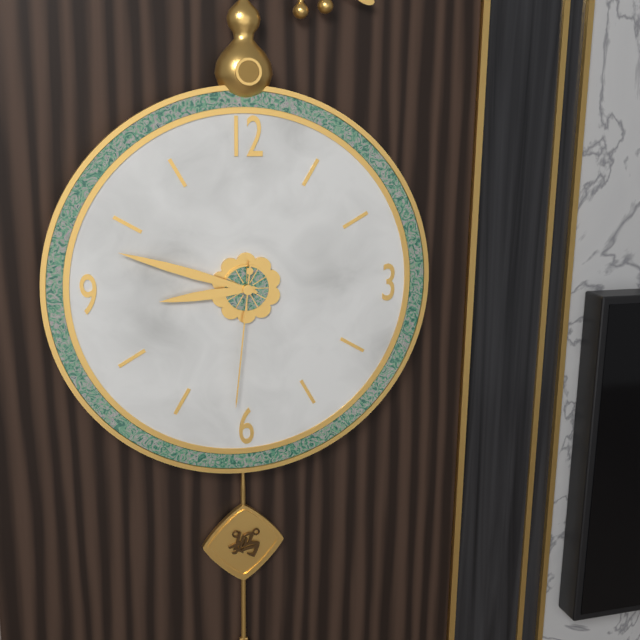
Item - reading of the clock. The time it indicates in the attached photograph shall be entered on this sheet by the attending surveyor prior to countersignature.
8:48:31
